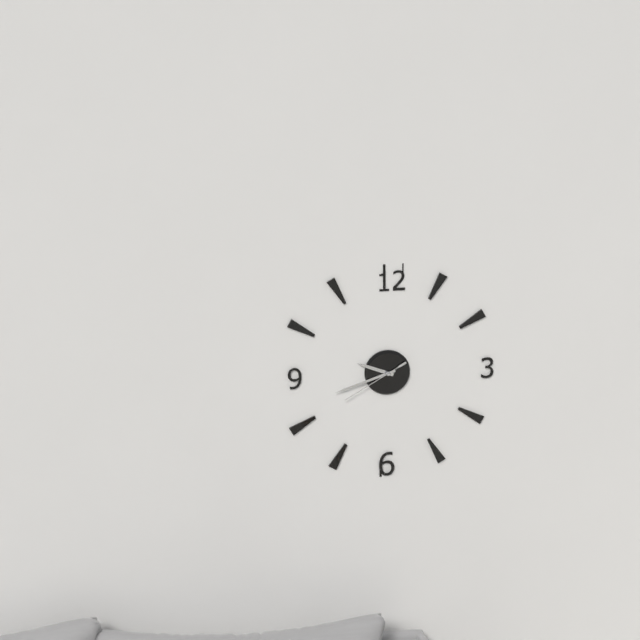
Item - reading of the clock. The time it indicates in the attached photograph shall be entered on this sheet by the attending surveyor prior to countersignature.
9:42:40
